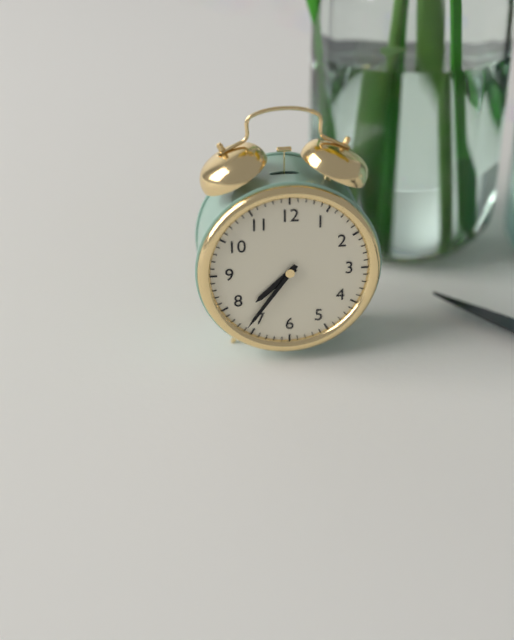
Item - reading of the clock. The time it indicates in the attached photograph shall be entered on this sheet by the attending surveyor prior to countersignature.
7:36
